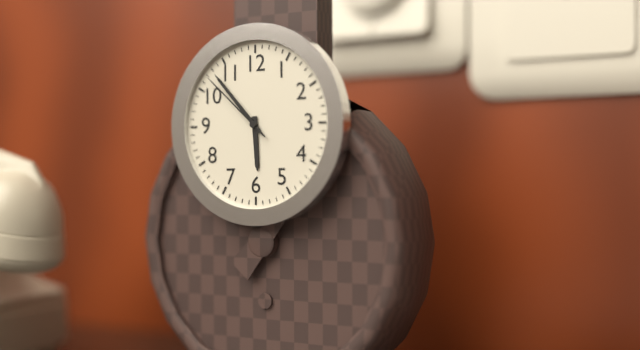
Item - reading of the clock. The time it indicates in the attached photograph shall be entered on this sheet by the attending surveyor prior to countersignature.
5:53:52
